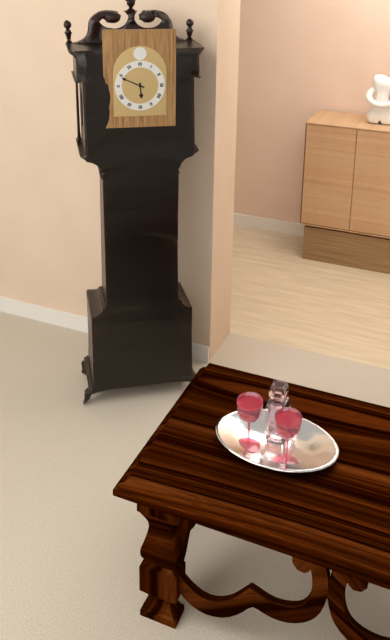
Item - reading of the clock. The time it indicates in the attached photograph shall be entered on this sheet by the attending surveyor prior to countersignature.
5:49
